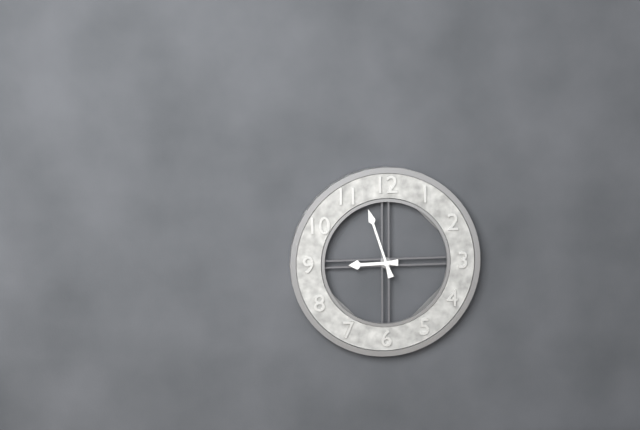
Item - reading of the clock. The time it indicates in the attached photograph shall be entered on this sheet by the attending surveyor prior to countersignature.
8:57
